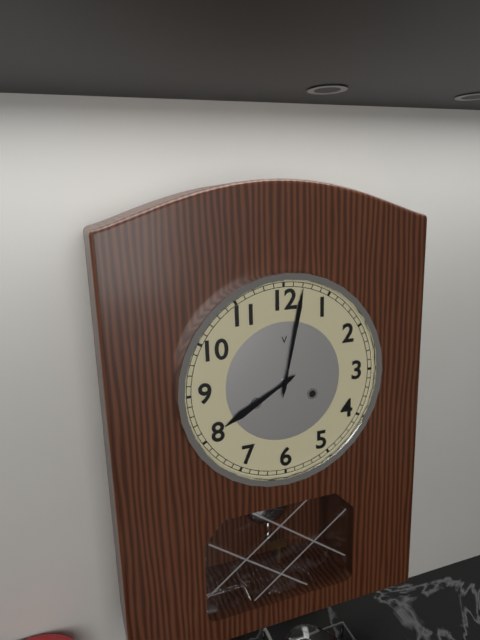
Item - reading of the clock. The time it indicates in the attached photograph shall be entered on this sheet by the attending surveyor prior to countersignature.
8:02
